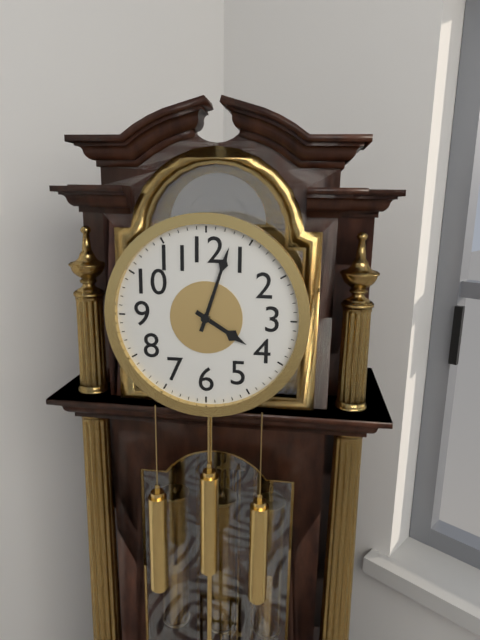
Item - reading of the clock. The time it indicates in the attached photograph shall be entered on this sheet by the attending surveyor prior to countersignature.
4:03
